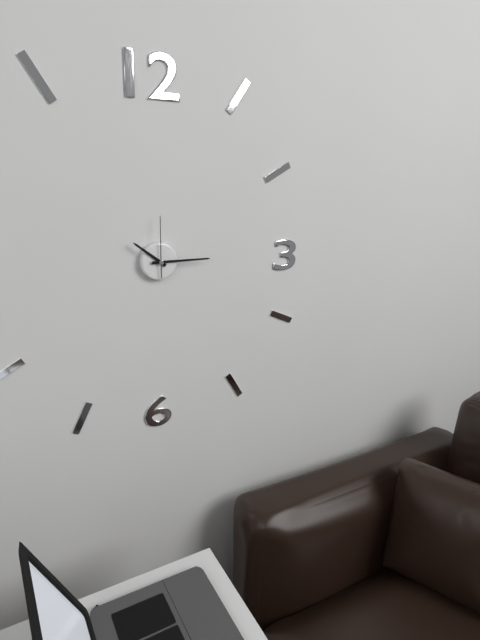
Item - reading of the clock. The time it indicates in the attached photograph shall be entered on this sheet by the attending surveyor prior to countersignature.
10:15:00
